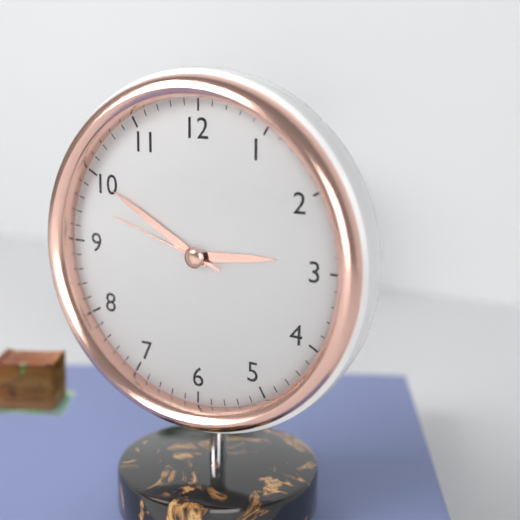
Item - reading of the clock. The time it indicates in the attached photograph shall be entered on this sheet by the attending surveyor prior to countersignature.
2:50:48
